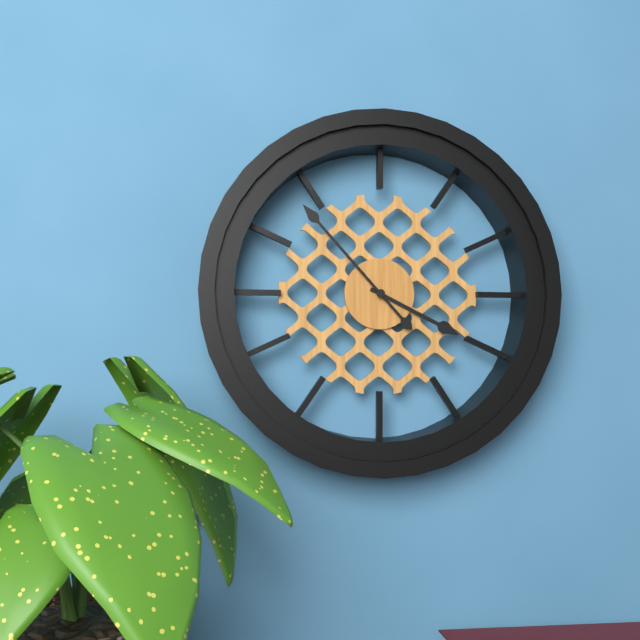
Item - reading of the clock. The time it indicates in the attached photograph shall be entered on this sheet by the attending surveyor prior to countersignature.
3:53
